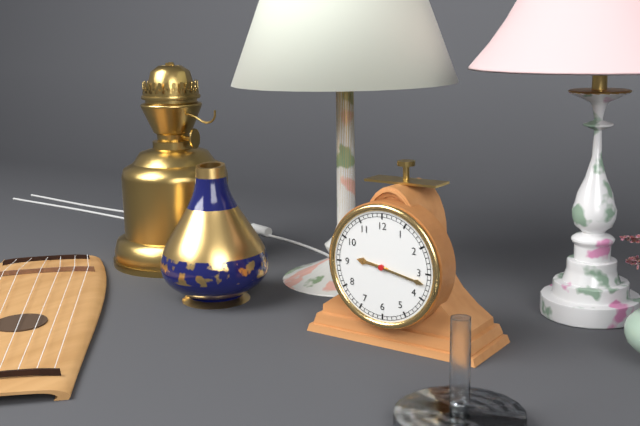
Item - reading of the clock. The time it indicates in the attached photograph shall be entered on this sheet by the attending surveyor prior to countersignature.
9:17
